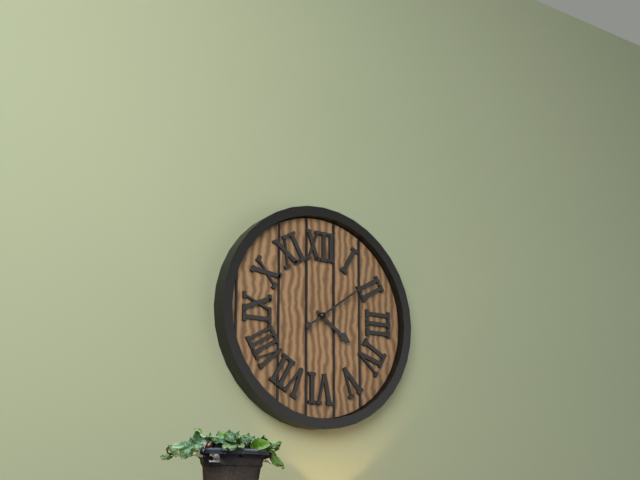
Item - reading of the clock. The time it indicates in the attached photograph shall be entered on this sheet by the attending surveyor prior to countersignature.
4:09
